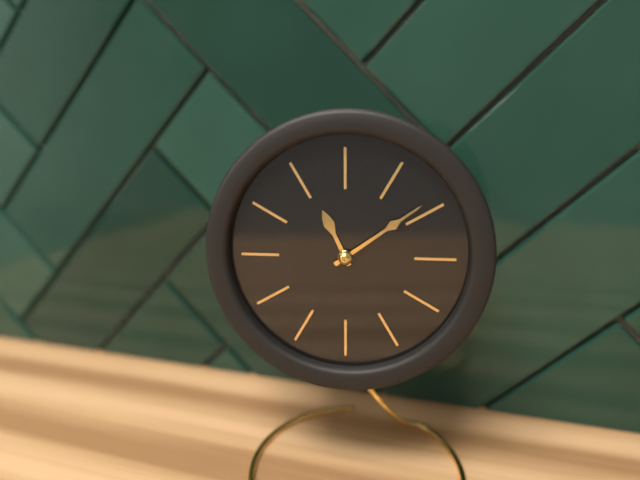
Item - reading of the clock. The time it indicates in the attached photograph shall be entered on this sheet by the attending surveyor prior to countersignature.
11:09
